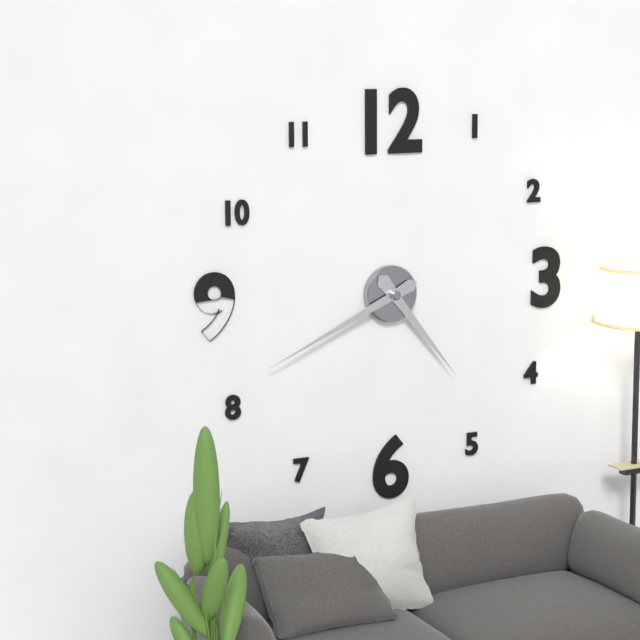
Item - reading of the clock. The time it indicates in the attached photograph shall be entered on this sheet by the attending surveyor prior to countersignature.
4:41
